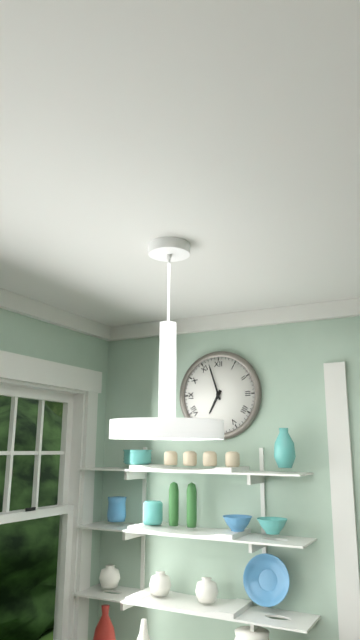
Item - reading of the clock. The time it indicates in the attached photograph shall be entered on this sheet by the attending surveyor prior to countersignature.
6:57
